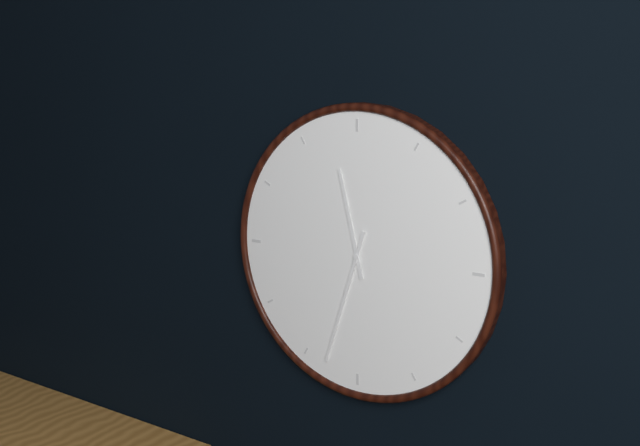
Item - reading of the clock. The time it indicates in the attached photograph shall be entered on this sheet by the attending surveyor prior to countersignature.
11:33
